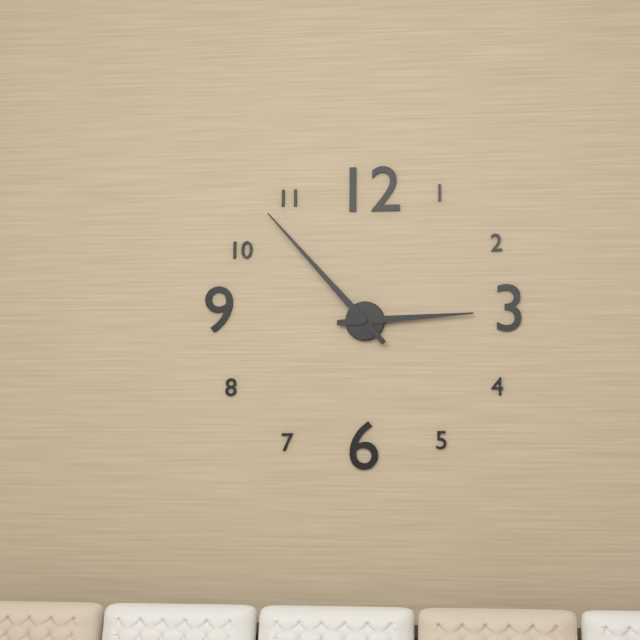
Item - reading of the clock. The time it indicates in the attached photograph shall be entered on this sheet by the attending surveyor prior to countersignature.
2:53
